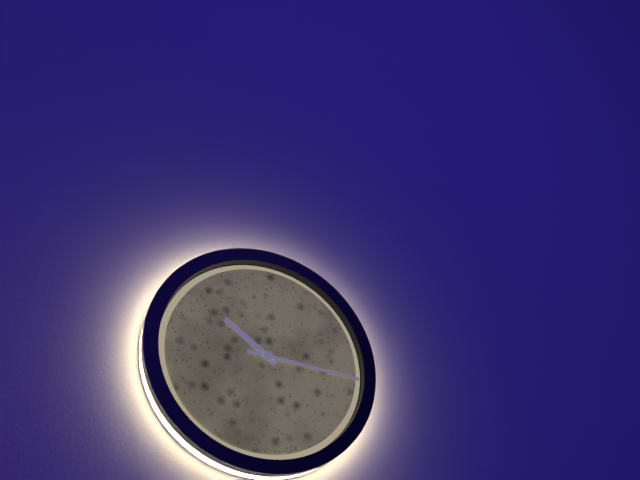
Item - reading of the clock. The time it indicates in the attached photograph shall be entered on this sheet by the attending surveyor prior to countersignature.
10:16
